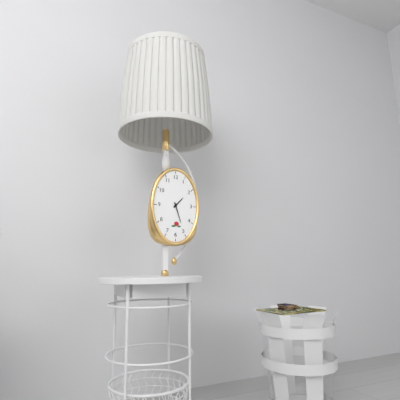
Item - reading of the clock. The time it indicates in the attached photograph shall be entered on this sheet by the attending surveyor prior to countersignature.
1:27
